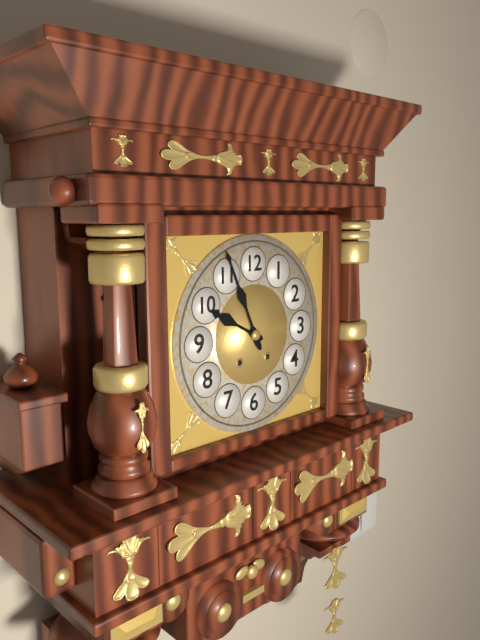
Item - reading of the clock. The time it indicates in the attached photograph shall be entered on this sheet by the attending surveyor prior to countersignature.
9:56
